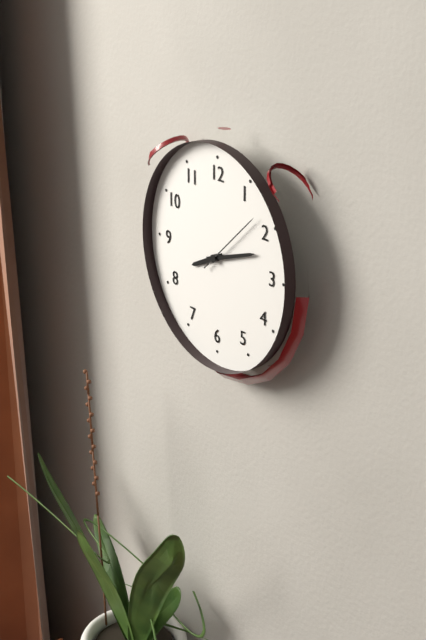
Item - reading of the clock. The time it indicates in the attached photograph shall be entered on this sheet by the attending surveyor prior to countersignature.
8:12:08
